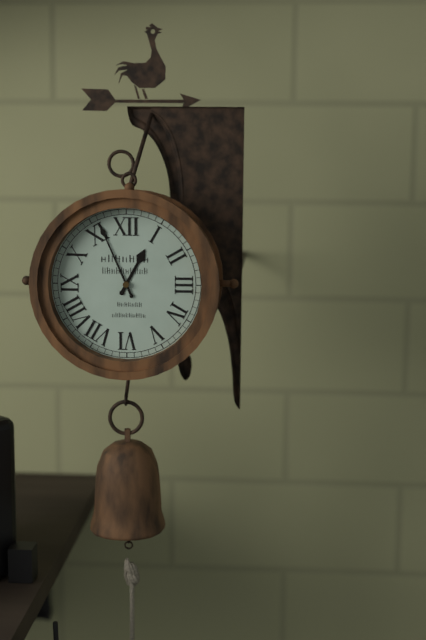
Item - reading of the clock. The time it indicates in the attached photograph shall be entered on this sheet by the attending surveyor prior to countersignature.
12:56
